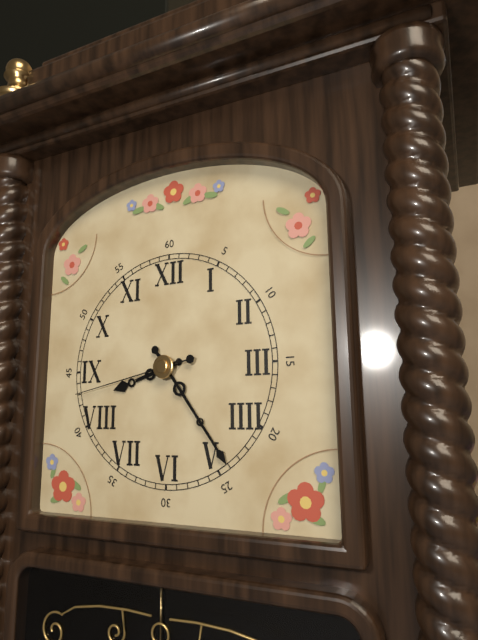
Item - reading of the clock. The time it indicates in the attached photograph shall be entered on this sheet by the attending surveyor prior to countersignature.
8:24:43
